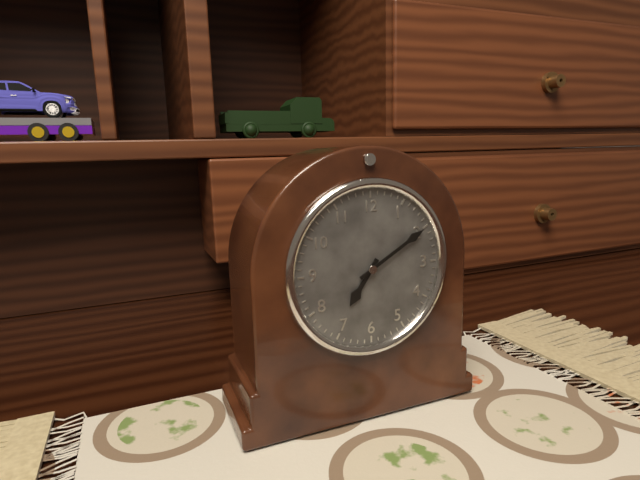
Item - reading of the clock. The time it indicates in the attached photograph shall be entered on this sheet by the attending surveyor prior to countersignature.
7:10
